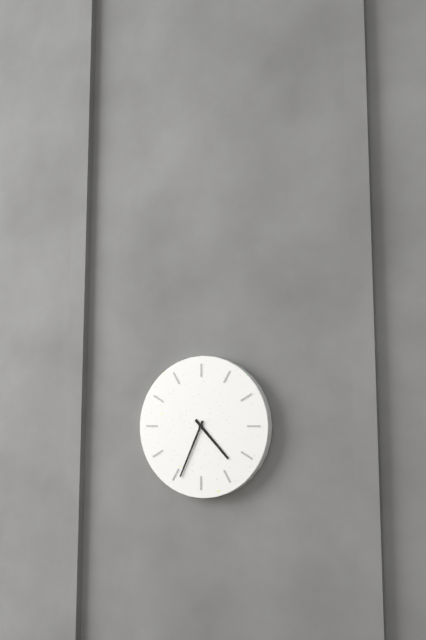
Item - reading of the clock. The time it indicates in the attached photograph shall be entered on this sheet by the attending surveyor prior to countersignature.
4:34
